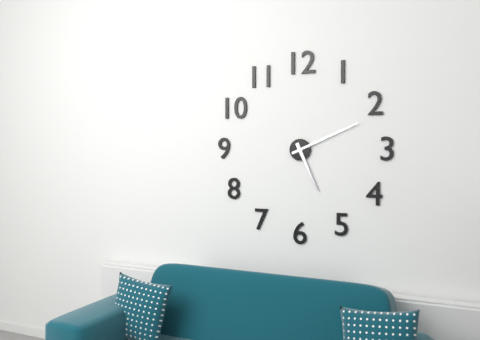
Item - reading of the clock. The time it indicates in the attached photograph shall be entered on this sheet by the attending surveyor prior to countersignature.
5:11
